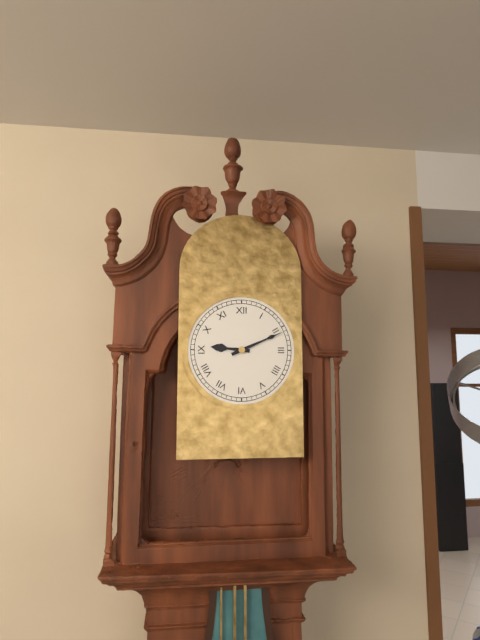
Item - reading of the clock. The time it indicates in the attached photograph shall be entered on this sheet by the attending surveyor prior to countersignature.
9:11
